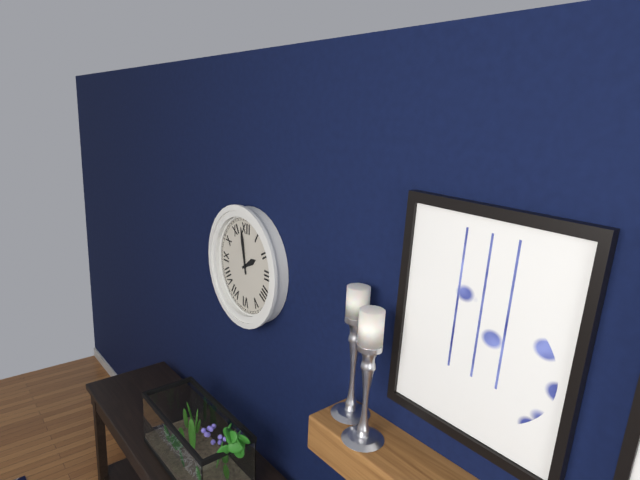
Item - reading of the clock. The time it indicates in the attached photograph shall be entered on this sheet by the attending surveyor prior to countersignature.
1:58
